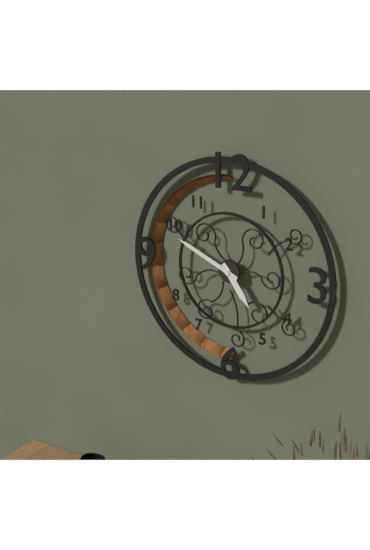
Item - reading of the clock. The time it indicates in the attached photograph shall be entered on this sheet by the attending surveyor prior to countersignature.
4:49
